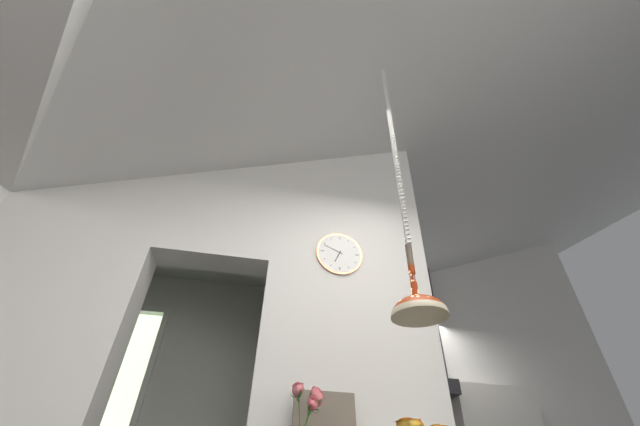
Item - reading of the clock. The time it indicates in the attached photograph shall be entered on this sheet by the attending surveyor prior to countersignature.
6:49
